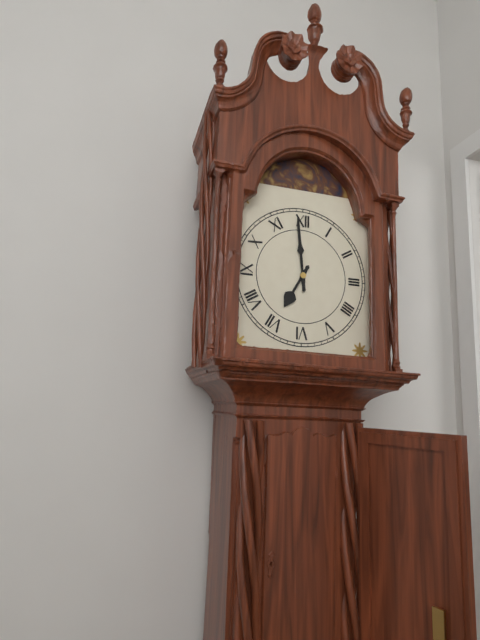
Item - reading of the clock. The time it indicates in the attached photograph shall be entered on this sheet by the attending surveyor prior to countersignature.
6:59
